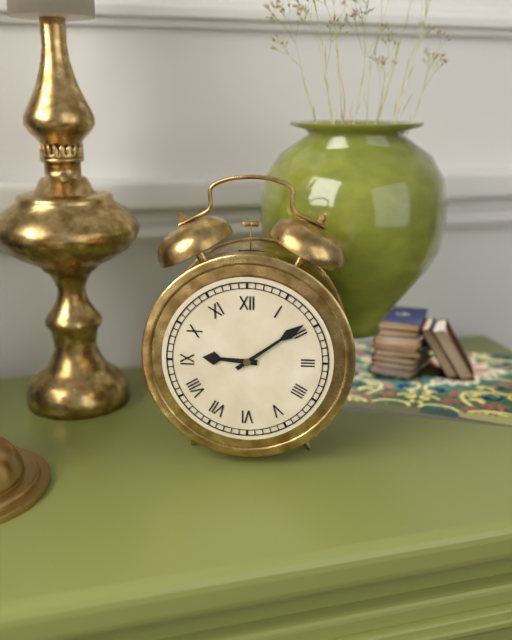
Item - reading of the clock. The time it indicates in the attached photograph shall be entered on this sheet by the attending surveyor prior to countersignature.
9:09
